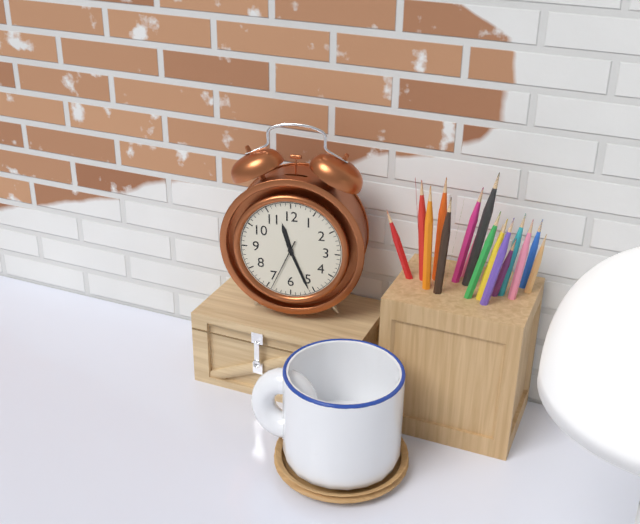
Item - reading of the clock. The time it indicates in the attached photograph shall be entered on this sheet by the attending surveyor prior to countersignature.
11:26:34
